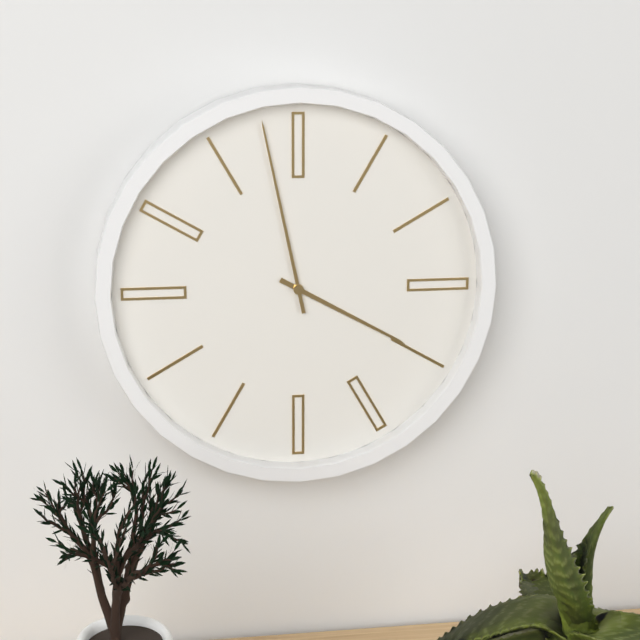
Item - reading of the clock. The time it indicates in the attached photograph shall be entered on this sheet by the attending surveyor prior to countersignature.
3:58
